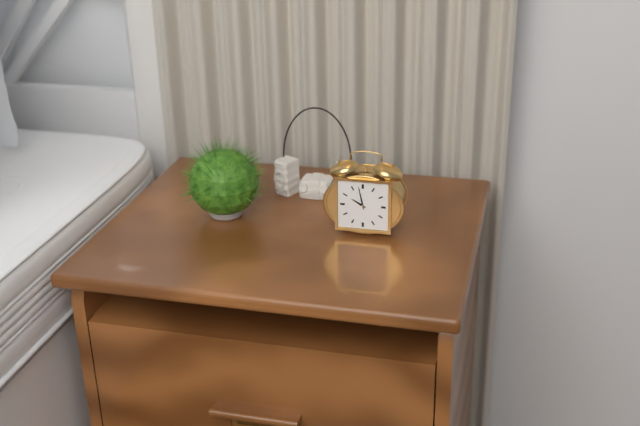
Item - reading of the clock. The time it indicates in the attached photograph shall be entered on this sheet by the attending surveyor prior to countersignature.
9:58
